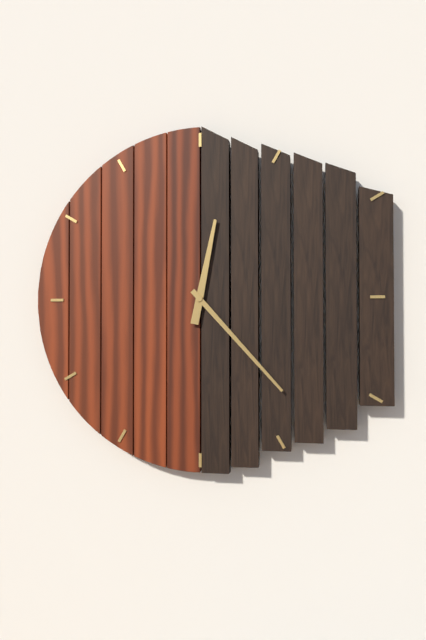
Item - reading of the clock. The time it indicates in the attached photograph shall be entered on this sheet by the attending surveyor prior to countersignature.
12:23
